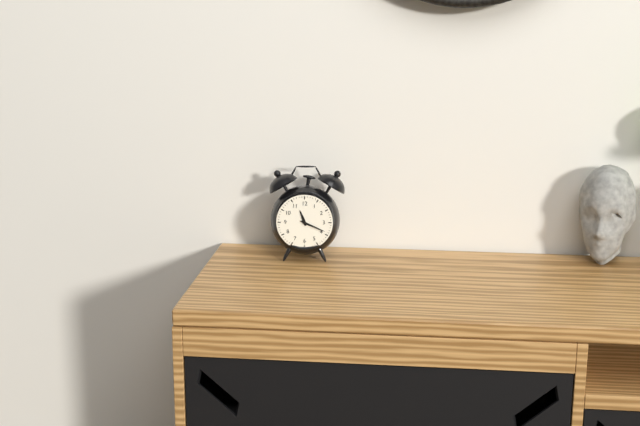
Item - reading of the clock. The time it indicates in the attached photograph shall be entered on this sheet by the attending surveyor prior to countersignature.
11:19
